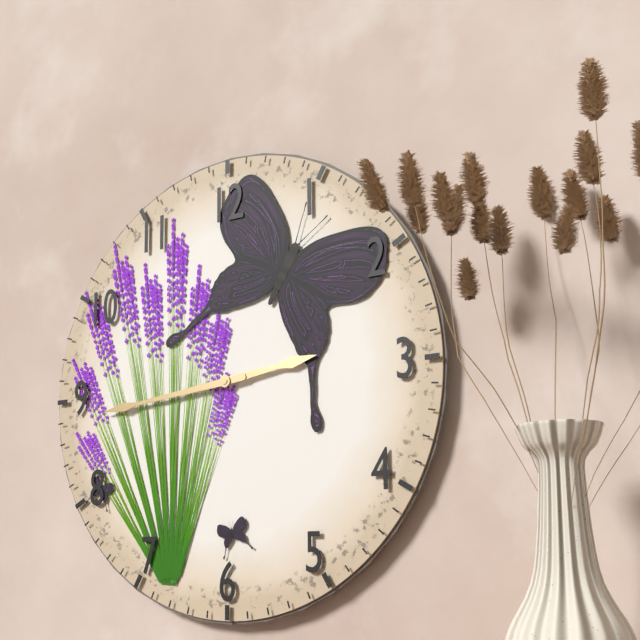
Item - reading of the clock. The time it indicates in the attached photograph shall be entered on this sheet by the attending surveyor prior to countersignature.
2:44
